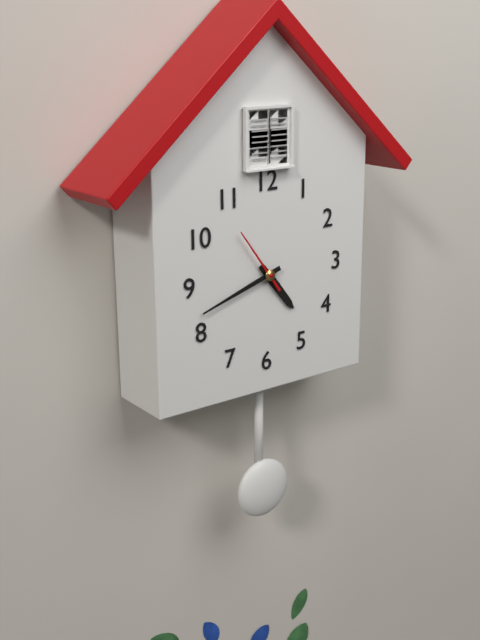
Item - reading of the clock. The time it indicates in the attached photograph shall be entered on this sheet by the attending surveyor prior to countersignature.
4:42:54
